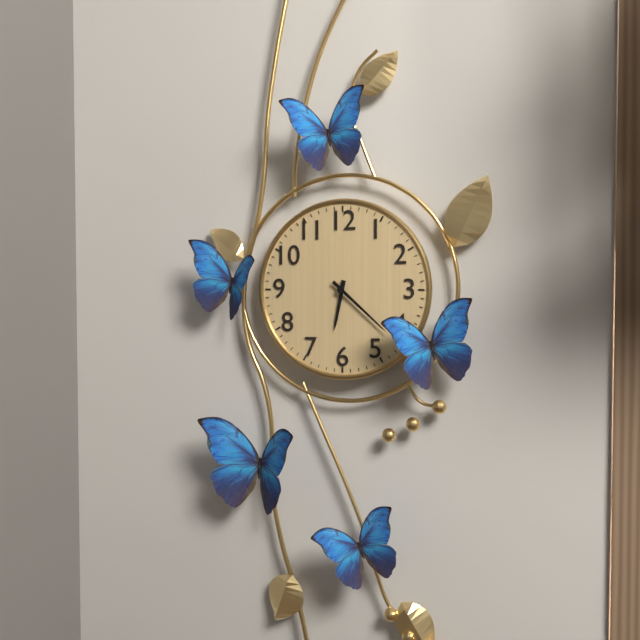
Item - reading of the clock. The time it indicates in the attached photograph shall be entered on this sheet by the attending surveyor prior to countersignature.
6:22
